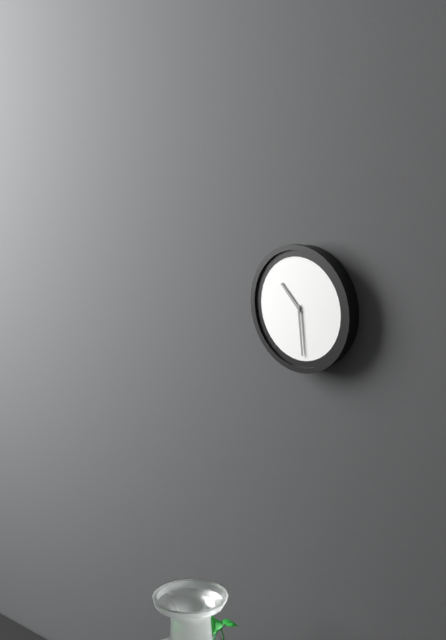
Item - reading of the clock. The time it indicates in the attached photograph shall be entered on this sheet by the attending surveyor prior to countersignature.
10:29
